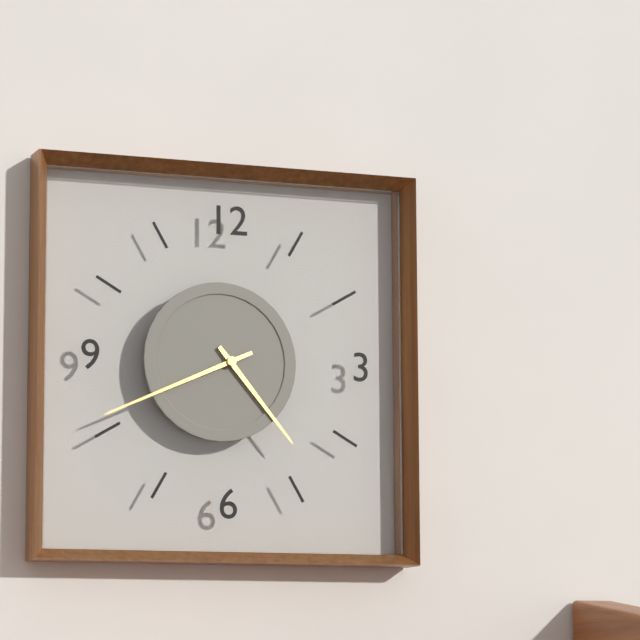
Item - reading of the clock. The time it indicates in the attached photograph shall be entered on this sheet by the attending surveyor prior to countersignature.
4:41
